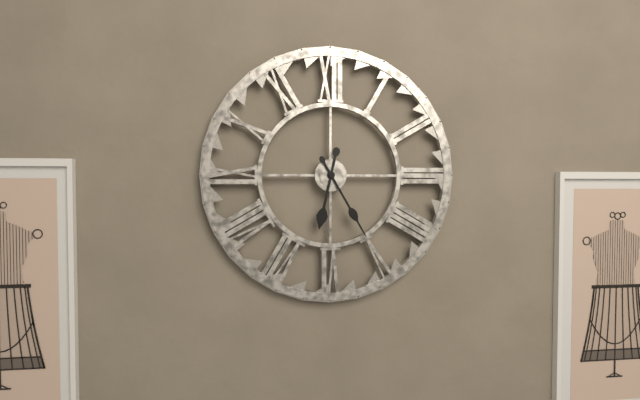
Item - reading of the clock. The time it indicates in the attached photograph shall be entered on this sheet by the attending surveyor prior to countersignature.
6:25
